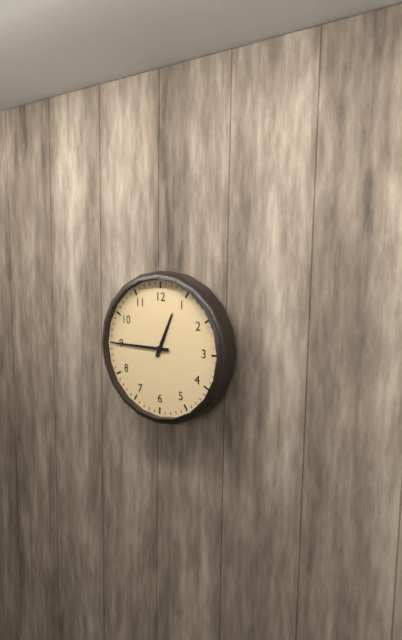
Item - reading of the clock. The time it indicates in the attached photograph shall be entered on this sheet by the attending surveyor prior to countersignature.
12:45
